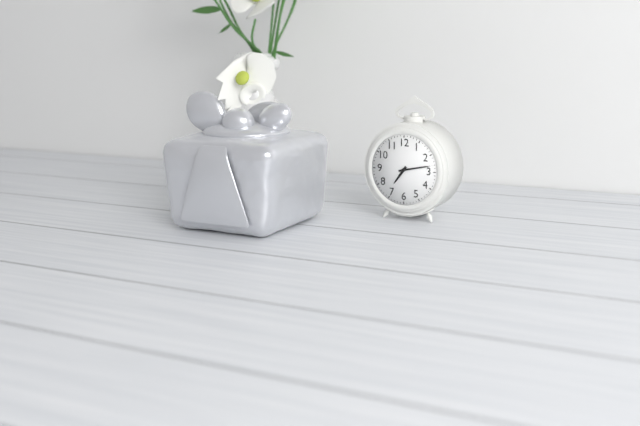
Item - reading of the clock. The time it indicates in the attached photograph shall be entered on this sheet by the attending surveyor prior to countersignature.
7:13
